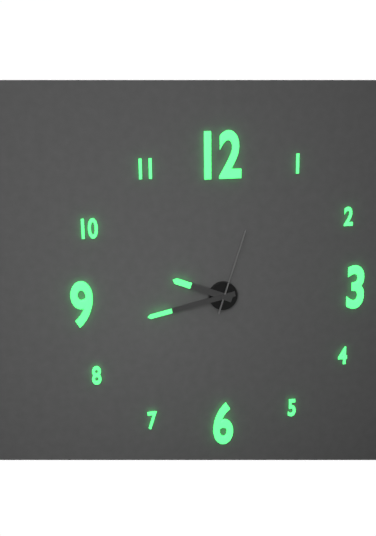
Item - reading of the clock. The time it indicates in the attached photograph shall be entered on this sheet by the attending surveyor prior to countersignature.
9:43:03
